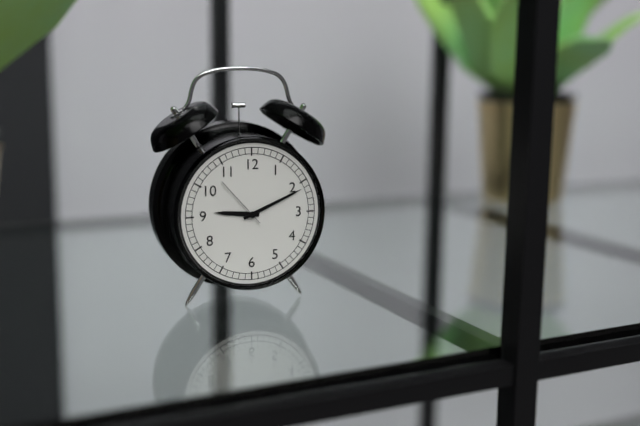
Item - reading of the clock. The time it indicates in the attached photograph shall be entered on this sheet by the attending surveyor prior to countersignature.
9:11:53
